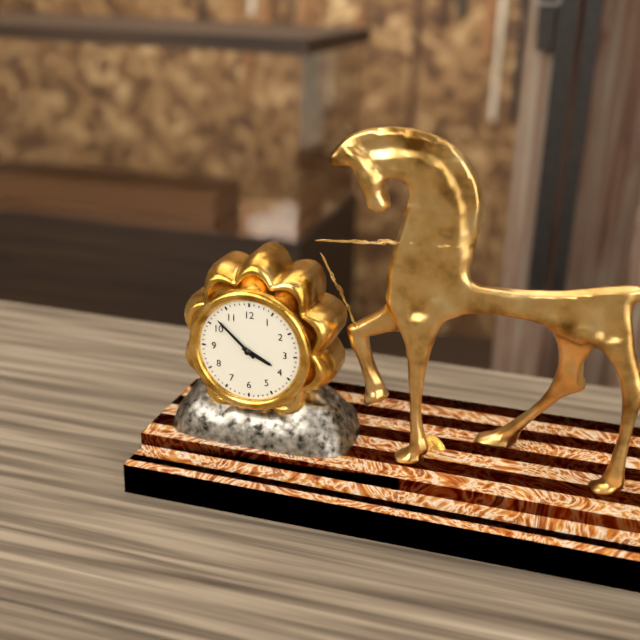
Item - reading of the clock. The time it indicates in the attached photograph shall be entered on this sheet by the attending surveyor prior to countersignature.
3:52
